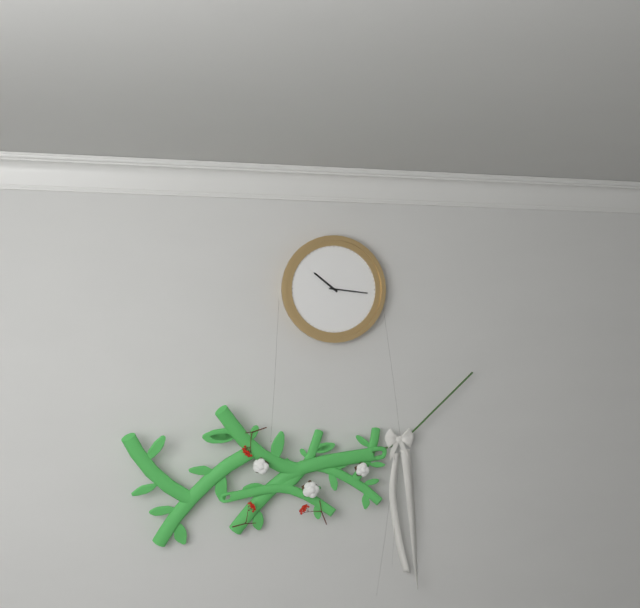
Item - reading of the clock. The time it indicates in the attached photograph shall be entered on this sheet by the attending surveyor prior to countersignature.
10:16
